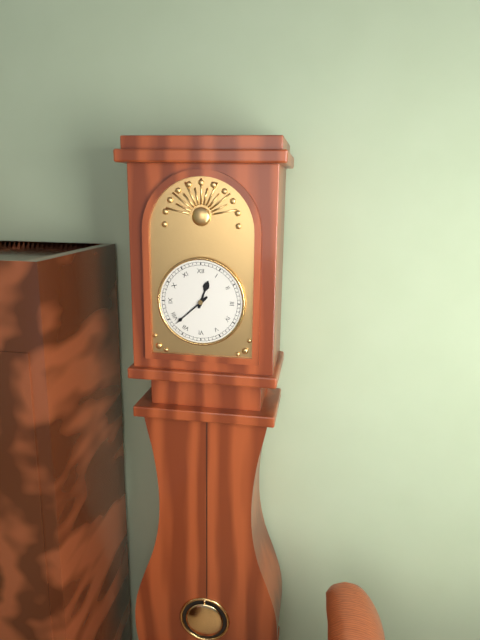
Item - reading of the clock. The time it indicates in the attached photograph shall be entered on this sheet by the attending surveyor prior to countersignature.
12:38
